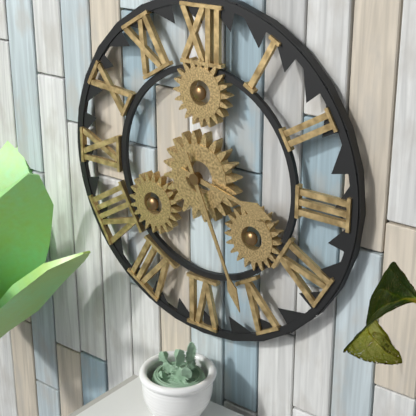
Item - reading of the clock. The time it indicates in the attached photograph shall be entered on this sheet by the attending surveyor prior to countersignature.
3:26
